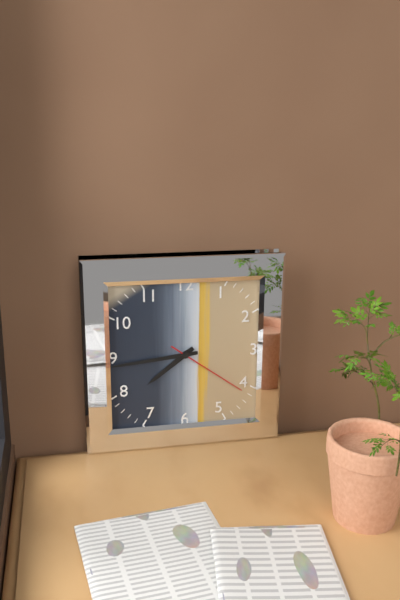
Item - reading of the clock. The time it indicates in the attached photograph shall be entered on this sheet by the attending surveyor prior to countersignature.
7:44:21
